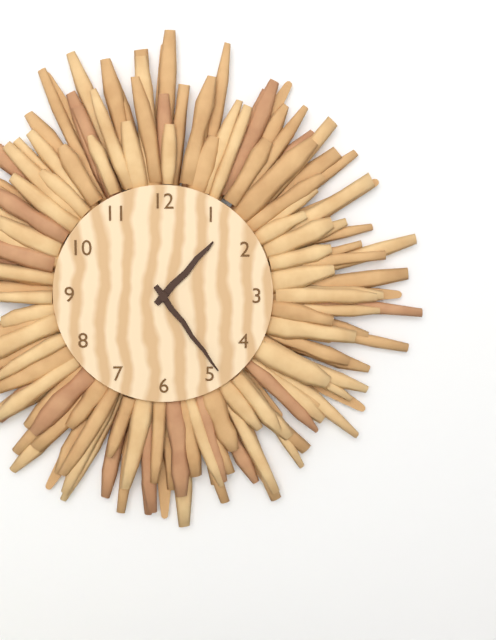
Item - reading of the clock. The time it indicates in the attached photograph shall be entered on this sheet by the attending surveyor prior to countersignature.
1:24
